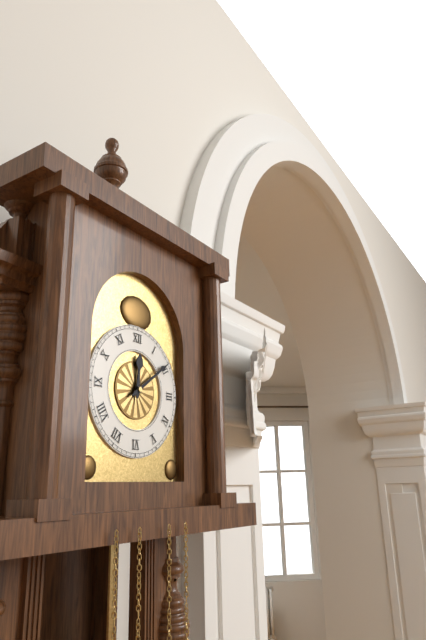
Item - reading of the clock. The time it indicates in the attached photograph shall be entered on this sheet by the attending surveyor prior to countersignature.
12:09
